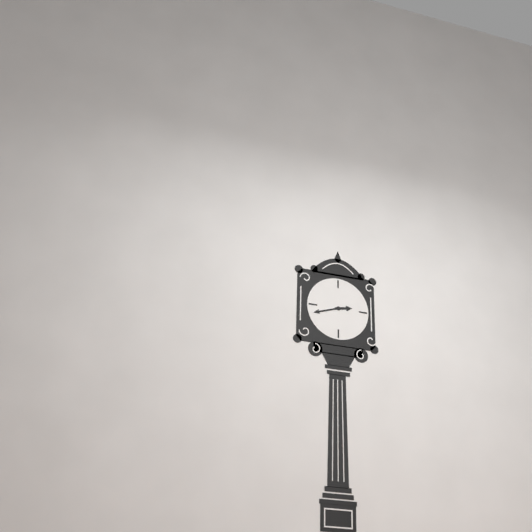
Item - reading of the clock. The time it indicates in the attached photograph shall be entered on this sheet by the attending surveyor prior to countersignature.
2:42
